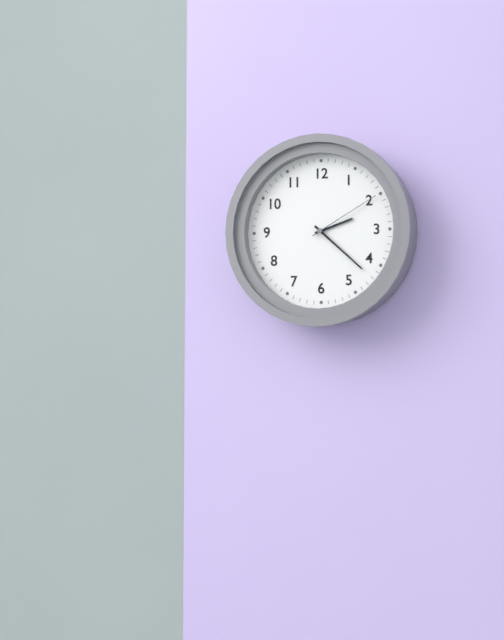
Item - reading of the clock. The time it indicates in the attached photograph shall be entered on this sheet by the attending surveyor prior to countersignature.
2:22:10
